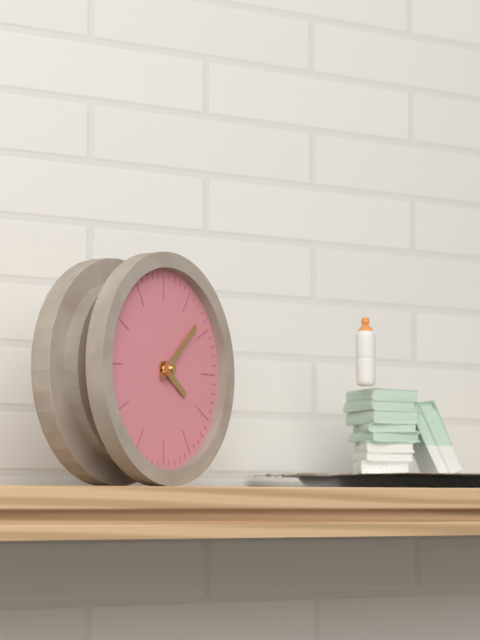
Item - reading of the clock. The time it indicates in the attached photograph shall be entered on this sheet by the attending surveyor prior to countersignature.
4:08
